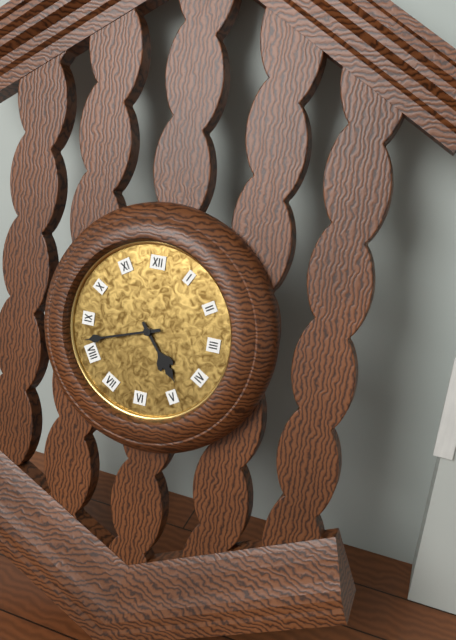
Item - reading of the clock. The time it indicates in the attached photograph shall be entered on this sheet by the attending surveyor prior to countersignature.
4:42
